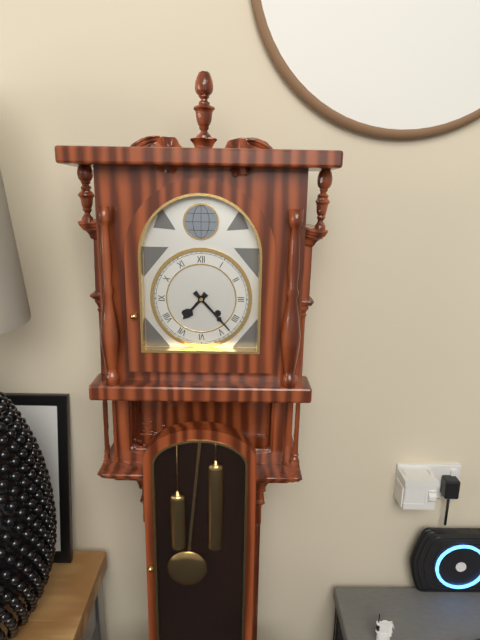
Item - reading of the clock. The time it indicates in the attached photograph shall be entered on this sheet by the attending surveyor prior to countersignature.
7:23
